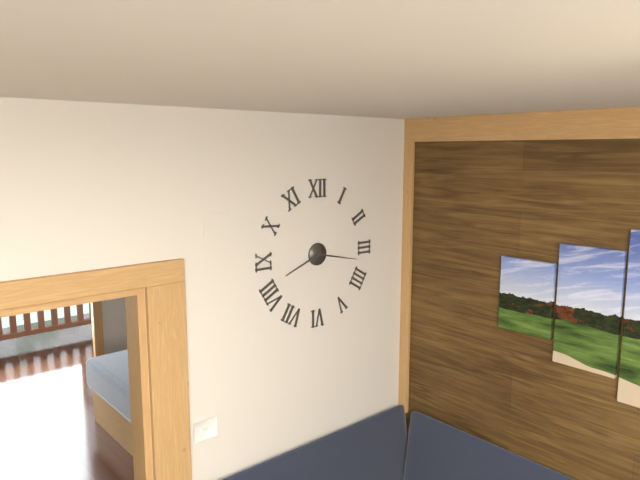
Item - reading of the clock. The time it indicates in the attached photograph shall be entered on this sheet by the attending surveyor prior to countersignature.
8:17
